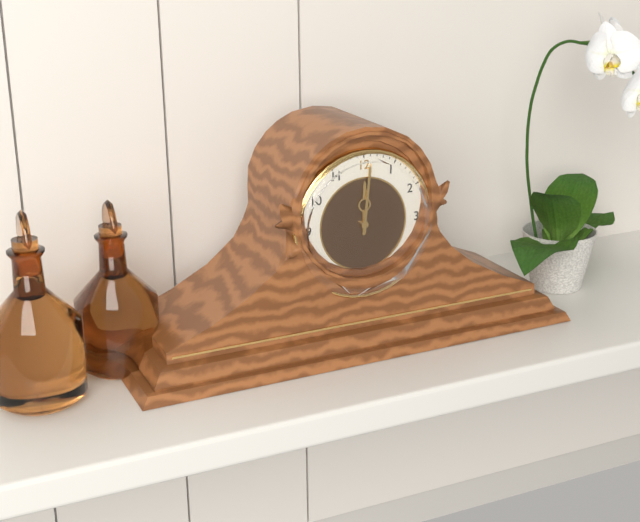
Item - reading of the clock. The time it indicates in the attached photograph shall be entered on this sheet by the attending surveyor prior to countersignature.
12:01
